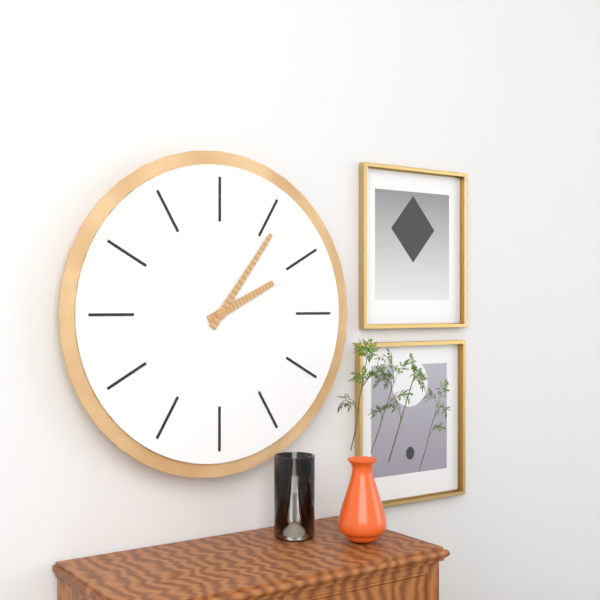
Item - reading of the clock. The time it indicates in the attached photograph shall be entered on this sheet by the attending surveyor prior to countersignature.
2:06
